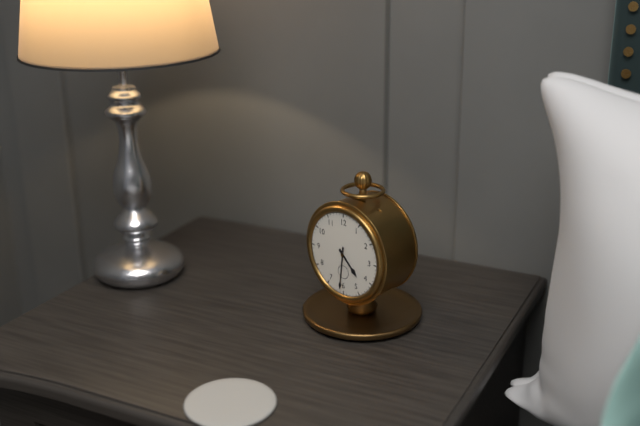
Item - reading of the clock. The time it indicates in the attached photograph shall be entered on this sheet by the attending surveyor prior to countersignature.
4:31
